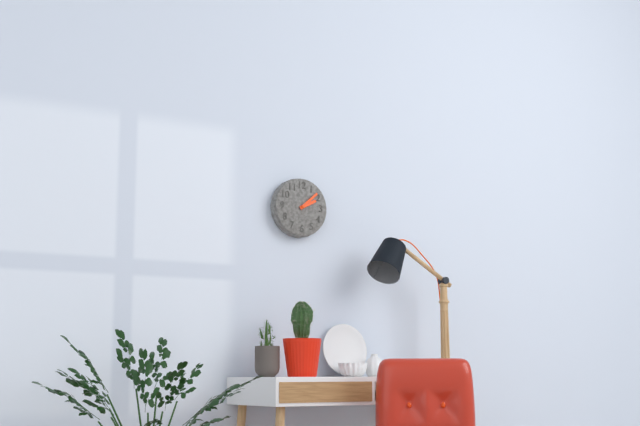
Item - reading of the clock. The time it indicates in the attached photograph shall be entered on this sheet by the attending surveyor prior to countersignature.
2:08
